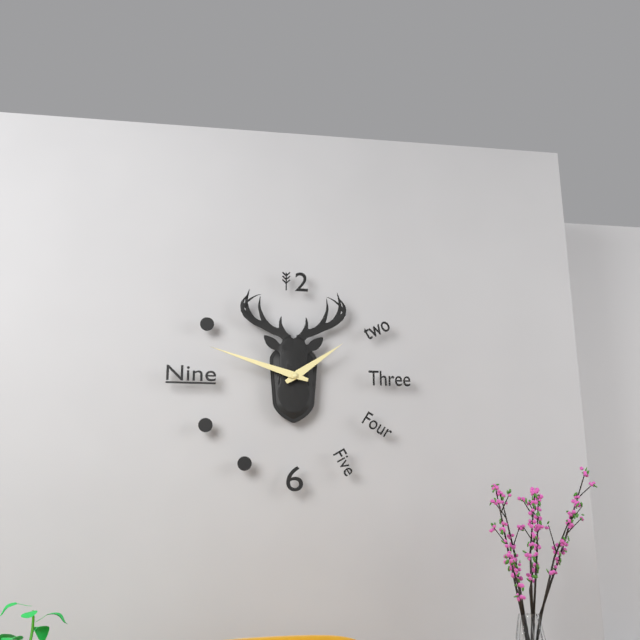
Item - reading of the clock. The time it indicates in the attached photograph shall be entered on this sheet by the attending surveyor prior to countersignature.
1:48
